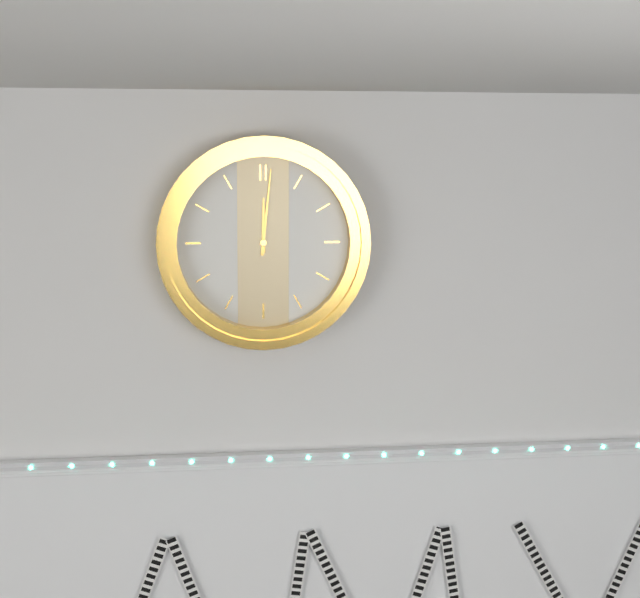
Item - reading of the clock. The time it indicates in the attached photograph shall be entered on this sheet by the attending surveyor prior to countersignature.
12:01
